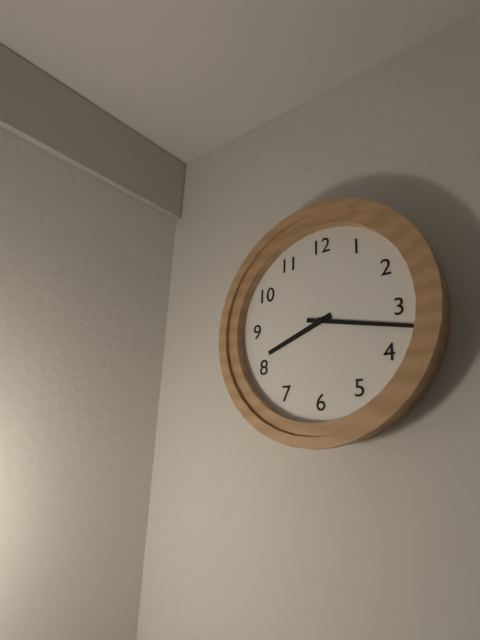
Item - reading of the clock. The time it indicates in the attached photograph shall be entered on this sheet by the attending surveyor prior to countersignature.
8:17
